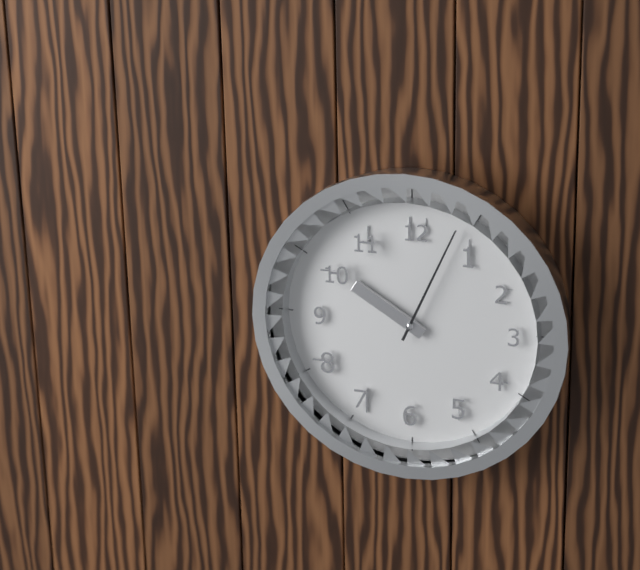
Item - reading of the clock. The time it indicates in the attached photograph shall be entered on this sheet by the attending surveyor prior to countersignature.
10:04
